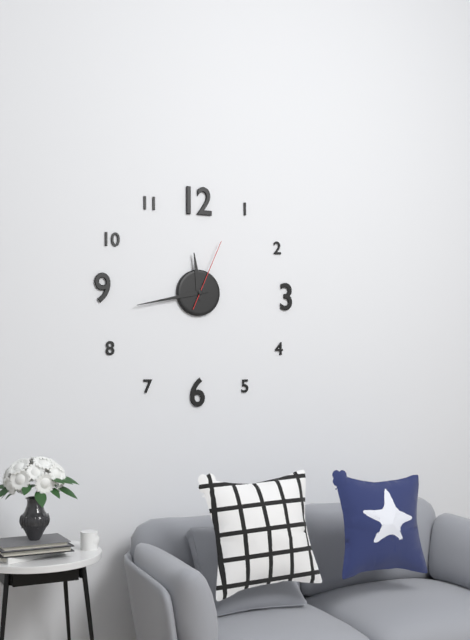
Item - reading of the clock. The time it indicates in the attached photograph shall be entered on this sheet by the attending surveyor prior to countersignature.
11:43:04
